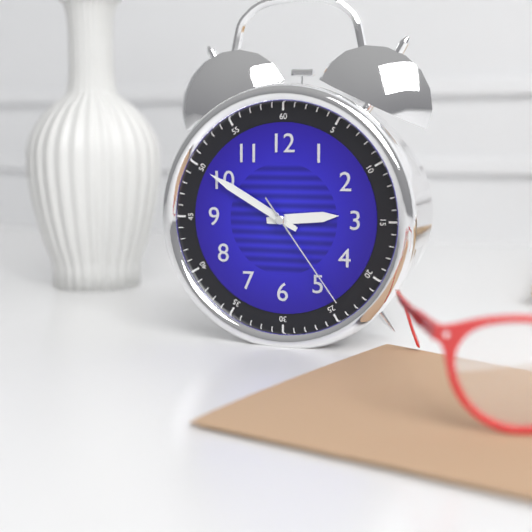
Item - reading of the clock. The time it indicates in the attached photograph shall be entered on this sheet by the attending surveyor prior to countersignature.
2:50:24
